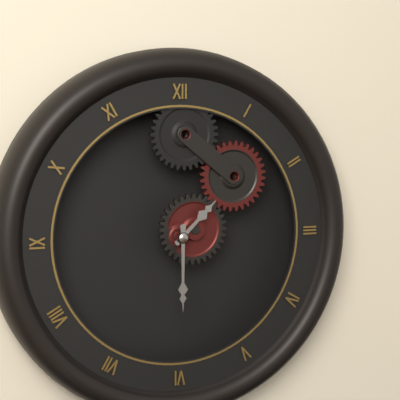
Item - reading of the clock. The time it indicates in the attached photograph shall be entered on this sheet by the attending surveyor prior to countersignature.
1:30
